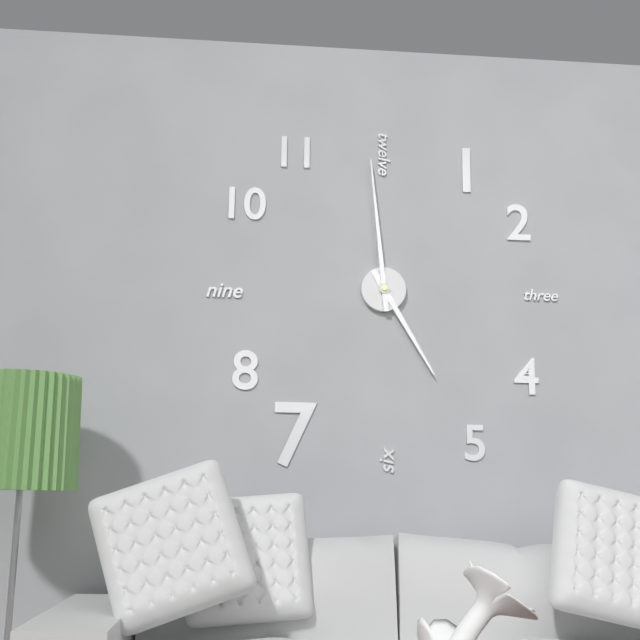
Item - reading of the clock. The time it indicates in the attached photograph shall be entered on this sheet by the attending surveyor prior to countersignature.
4:59
